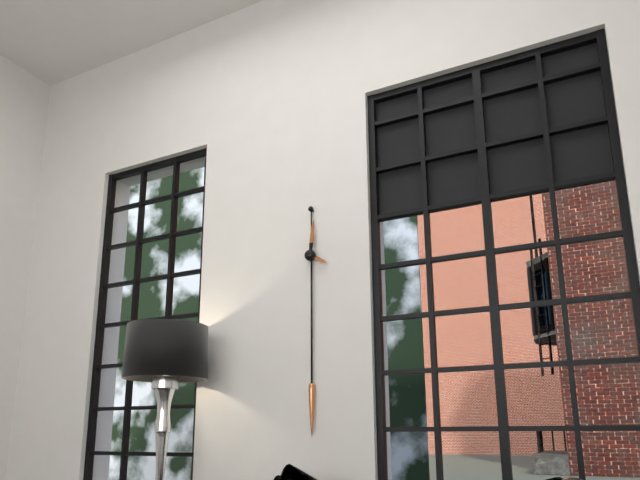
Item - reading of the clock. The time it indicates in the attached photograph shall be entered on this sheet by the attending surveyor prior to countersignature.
4:01
